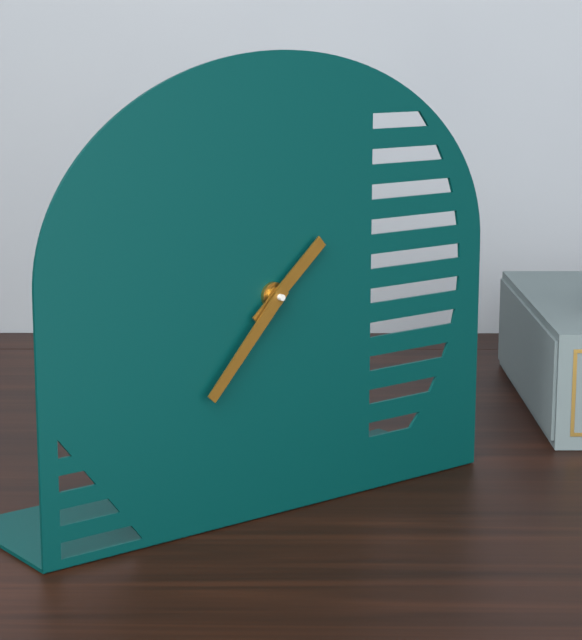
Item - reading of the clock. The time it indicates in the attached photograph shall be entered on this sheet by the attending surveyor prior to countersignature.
1:37
